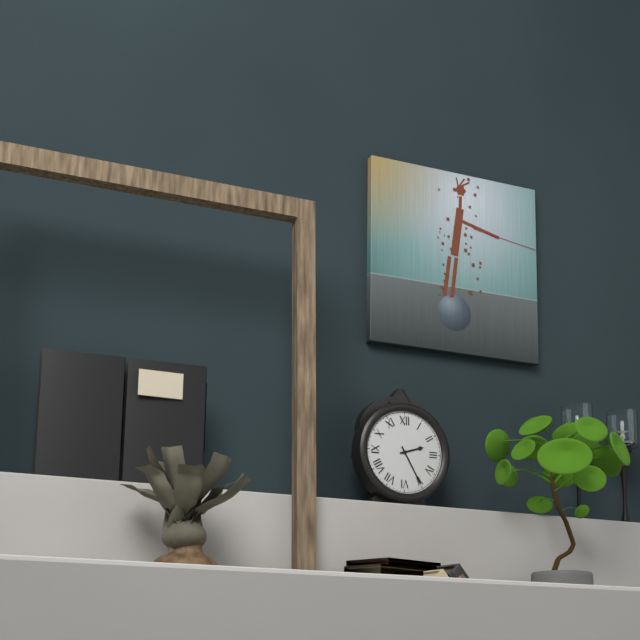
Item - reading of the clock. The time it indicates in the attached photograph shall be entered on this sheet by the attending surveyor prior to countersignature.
2:25
